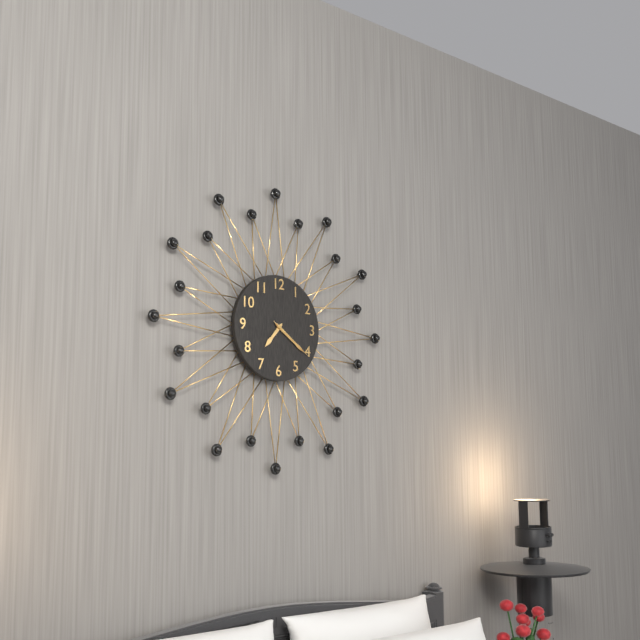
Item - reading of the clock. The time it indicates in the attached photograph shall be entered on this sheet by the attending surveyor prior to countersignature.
7:21:21
